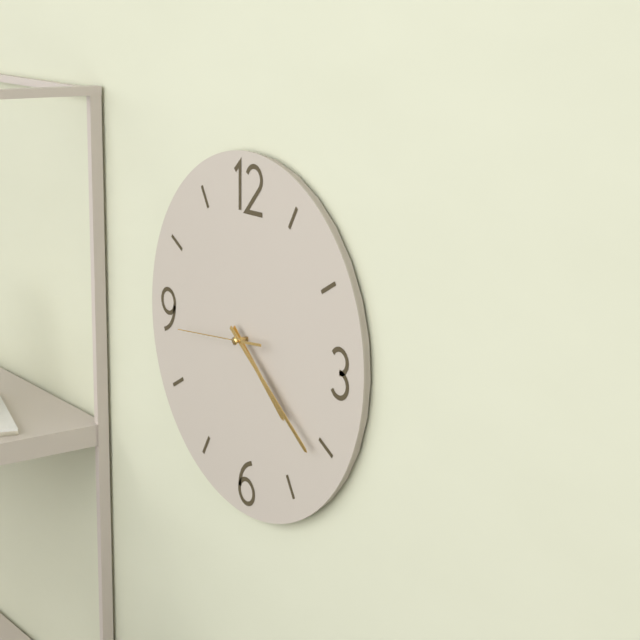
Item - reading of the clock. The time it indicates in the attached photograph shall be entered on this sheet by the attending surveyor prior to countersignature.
4:21:44
